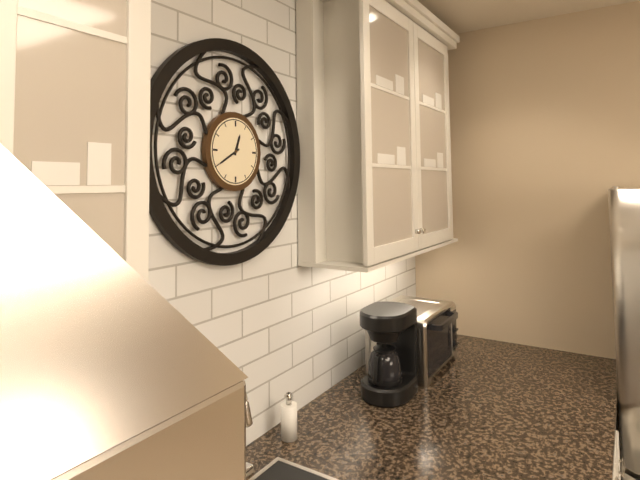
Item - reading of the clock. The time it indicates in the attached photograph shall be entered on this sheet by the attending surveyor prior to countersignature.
12:40
